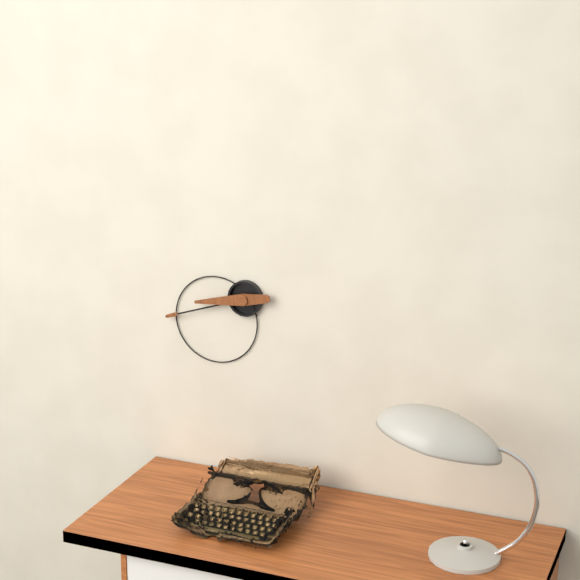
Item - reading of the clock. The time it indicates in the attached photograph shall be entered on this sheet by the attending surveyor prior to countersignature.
8:42
